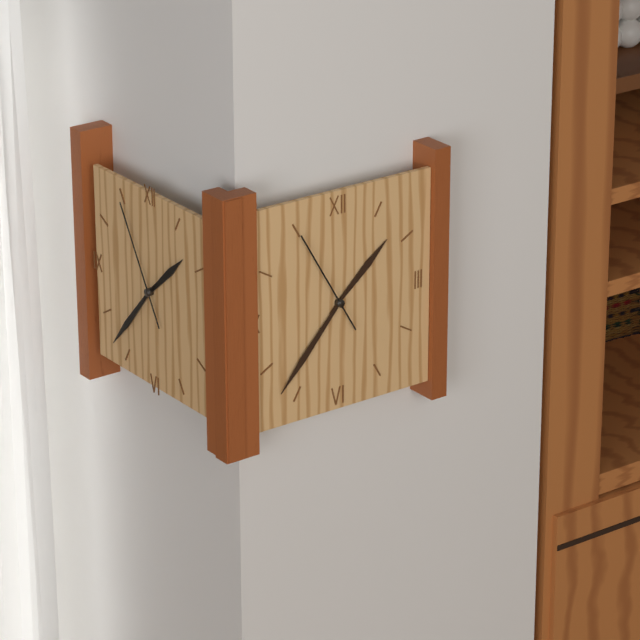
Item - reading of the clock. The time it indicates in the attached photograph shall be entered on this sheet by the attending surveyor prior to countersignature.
1:37:55
